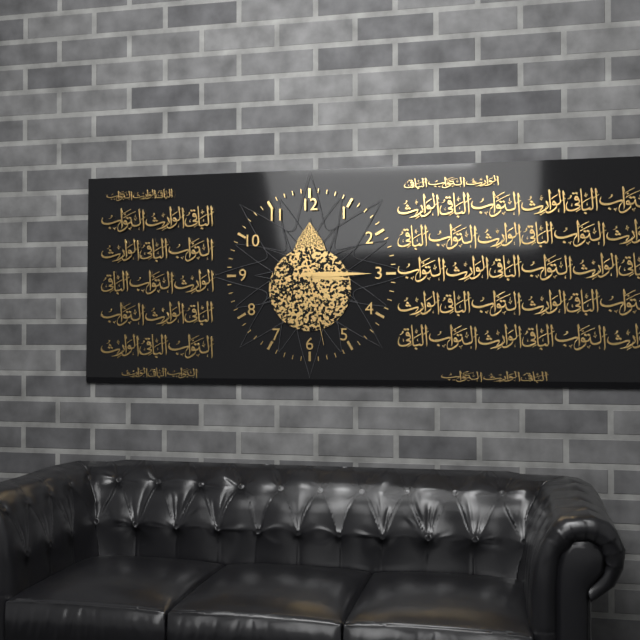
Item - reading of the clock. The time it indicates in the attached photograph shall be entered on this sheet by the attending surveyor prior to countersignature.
3:15:28
